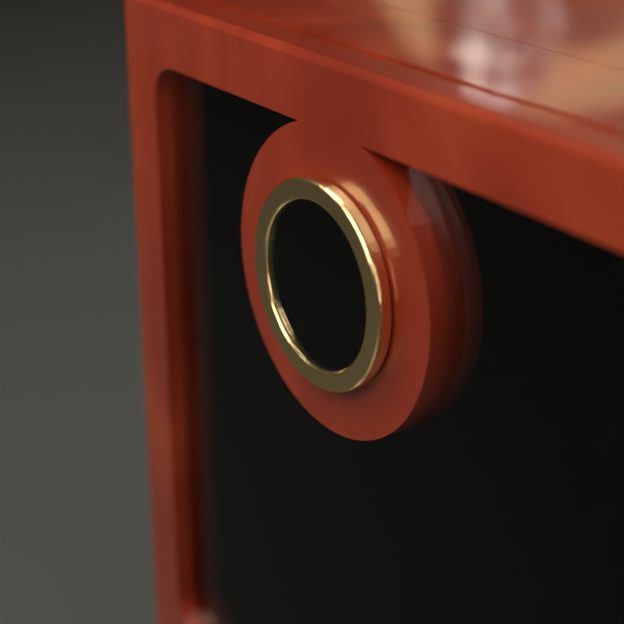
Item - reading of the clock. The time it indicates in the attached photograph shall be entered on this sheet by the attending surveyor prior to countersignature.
12:33
